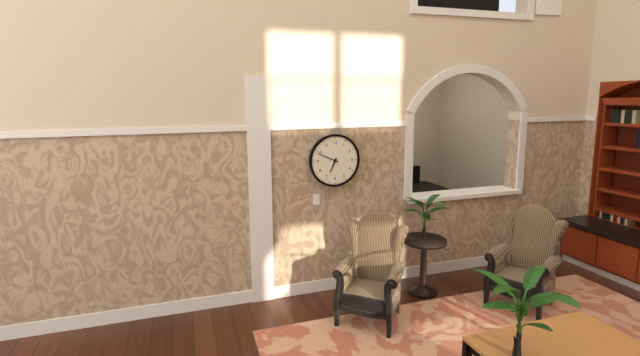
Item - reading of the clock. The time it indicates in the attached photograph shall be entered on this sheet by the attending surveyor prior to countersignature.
6:49
